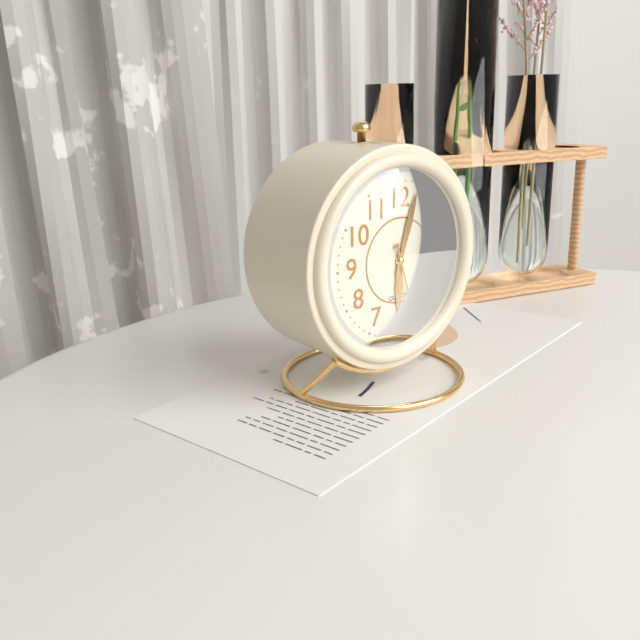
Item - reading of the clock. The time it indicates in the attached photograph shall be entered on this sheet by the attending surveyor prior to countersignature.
6:03:27
